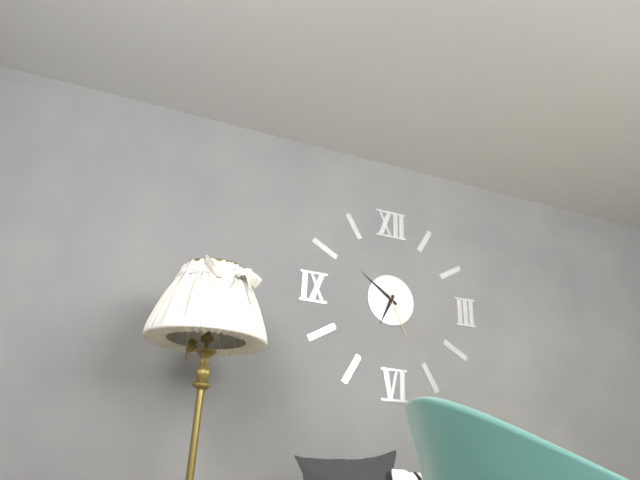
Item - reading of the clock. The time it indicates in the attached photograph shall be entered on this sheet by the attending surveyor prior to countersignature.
6:51:26
